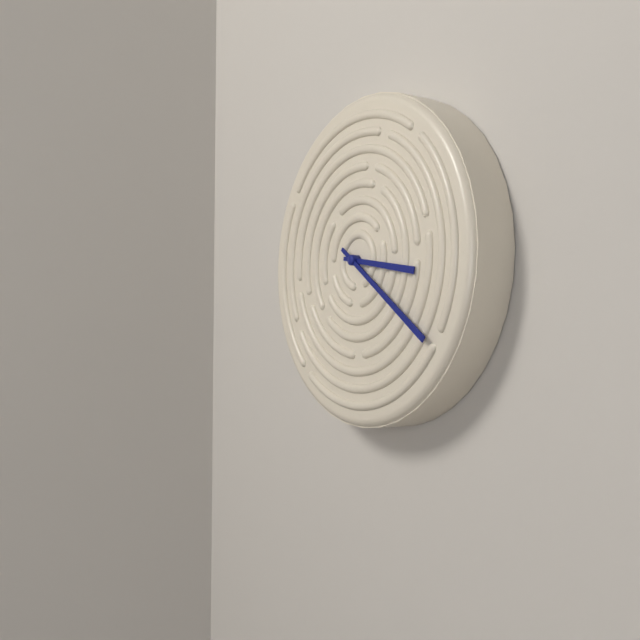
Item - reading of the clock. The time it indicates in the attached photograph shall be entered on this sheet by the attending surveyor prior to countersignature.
3:21
